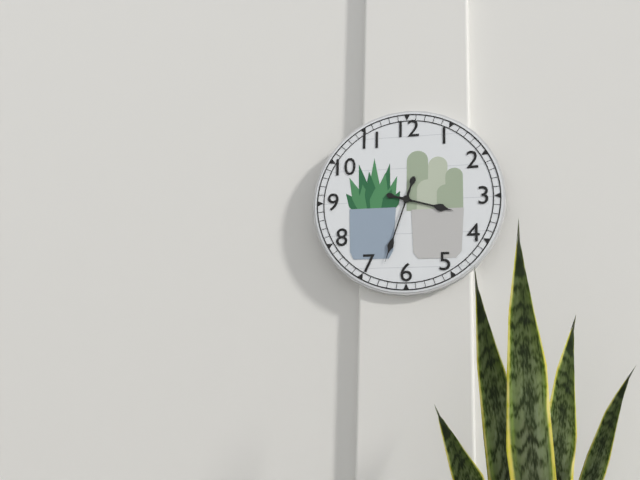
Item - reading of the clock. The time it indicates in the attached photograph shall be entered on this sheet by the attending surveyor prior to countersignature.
3:33
